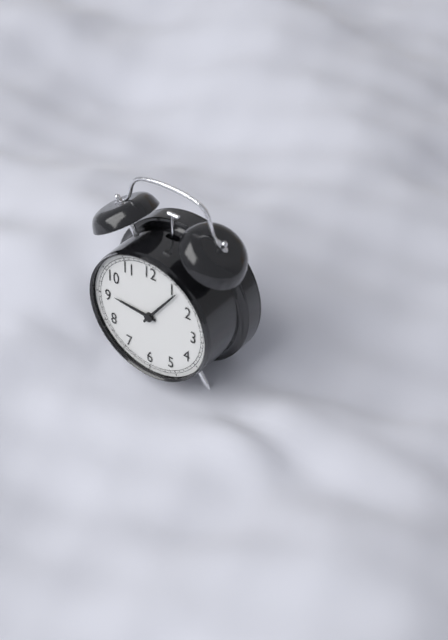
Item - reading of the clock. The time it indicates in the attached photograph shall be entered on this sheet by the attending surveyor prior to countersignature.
9:06
